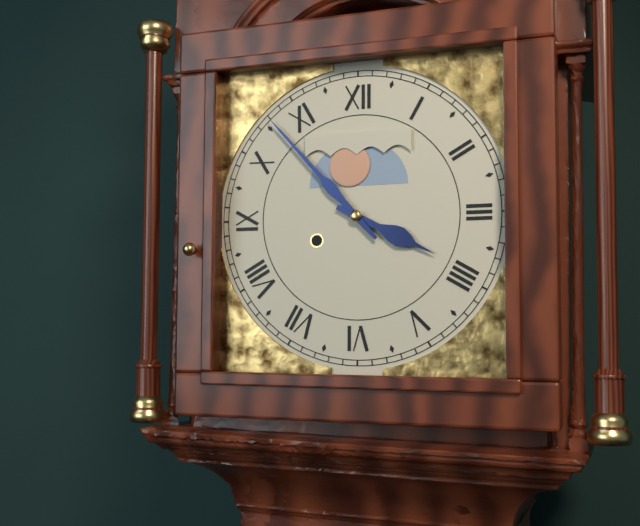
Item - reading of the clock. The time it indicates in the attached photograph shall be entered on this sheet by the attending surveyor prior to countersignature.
3:53
